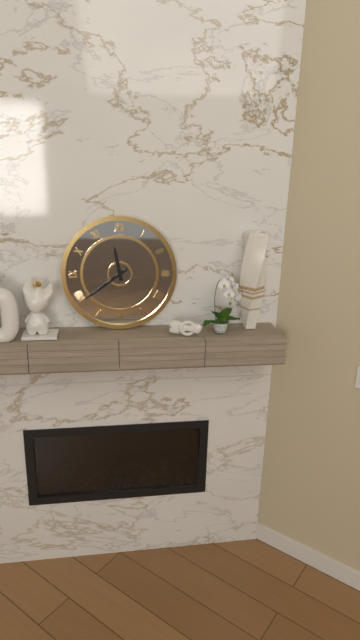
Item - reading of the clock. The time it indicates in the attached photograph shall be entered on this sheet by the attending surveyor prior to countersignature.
11:39
